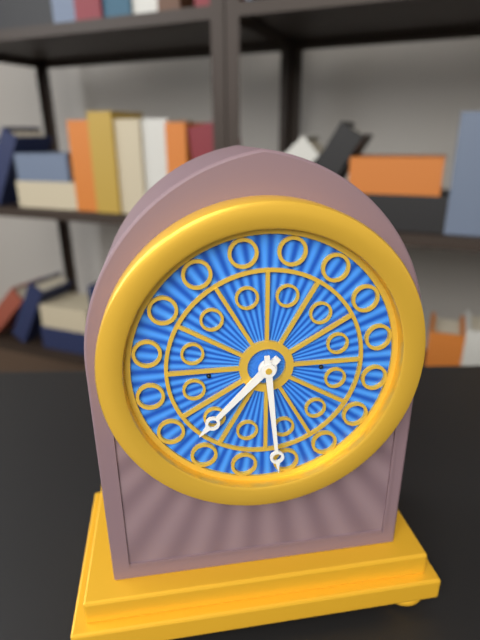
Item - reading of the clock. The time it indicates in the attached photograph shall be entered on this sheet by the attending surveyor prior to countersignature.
7:29
